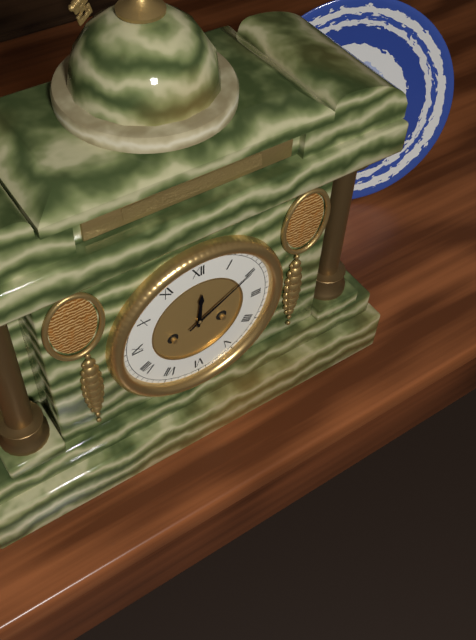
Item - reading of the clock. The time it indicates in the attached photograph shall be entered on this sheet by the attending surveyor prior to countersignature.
12:10
